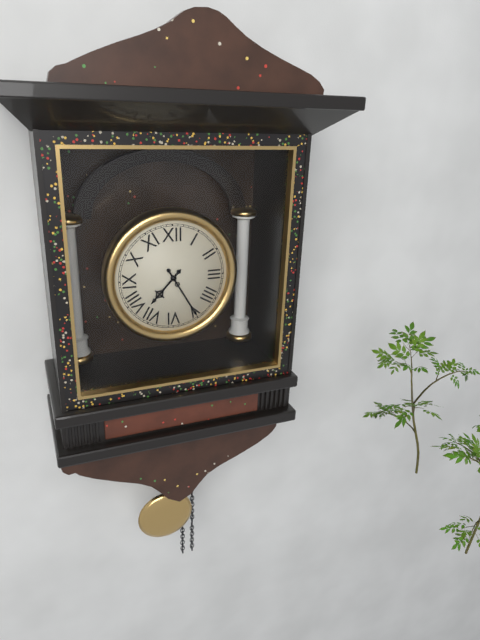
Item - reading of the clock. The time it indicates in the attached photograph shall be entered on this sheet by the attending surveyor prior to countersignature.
7:25
